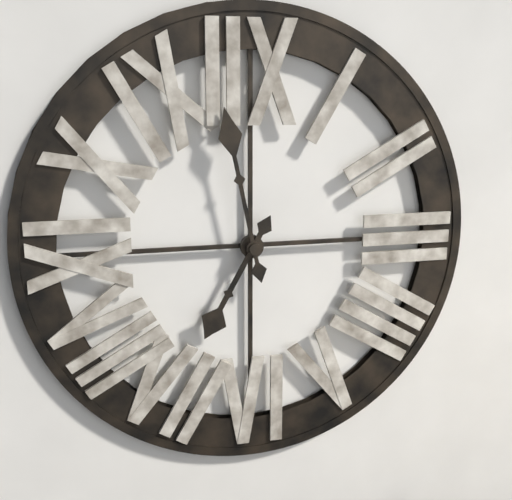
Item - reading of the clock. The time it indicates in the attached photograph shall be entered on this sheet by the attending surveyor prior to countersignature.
6:58
